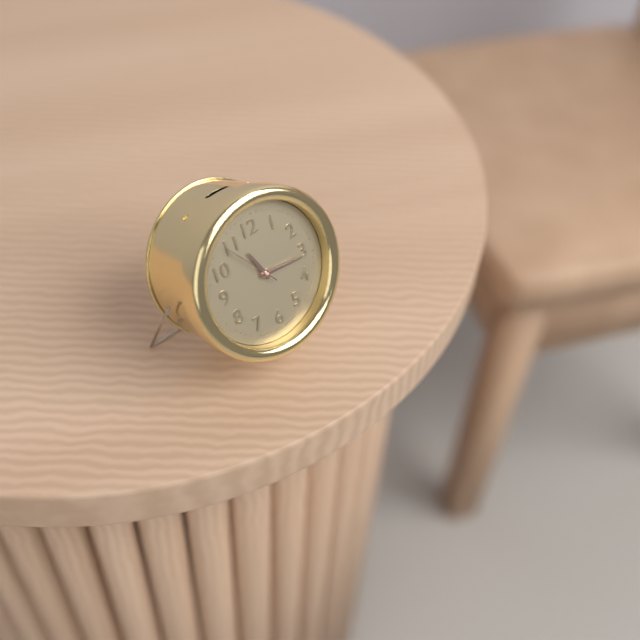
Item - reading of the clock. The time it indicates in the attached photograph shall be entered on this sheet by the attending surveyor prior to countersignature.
11:16:54
